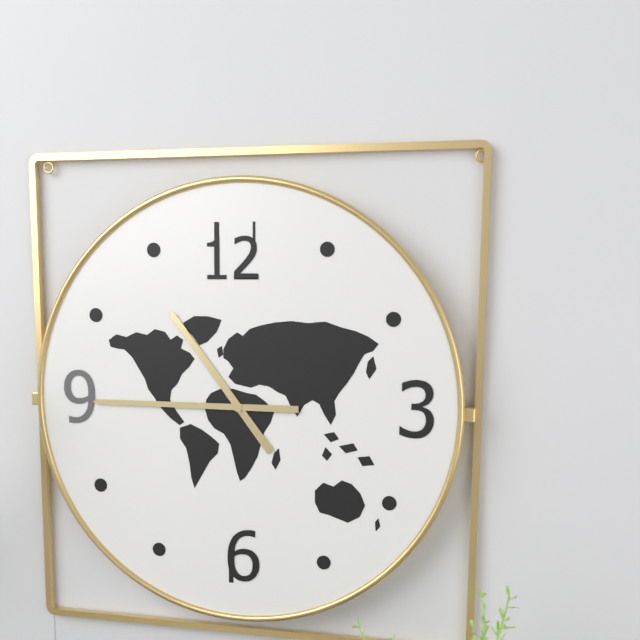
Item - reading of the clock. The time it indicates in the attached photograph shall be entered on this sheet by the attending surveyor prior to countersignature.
10:45
